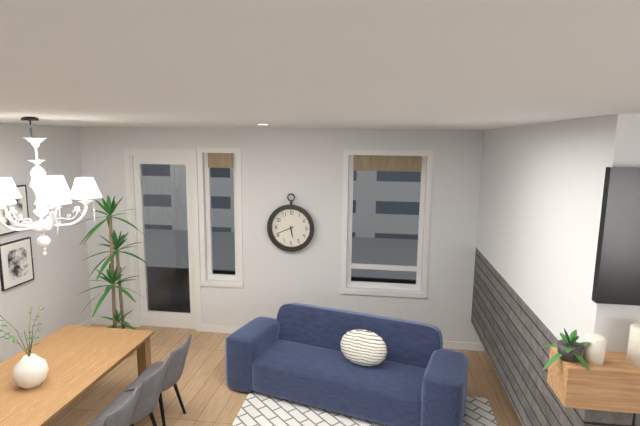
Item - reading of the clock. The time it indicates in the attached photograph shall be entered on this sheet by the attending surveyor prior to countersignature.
5:41
